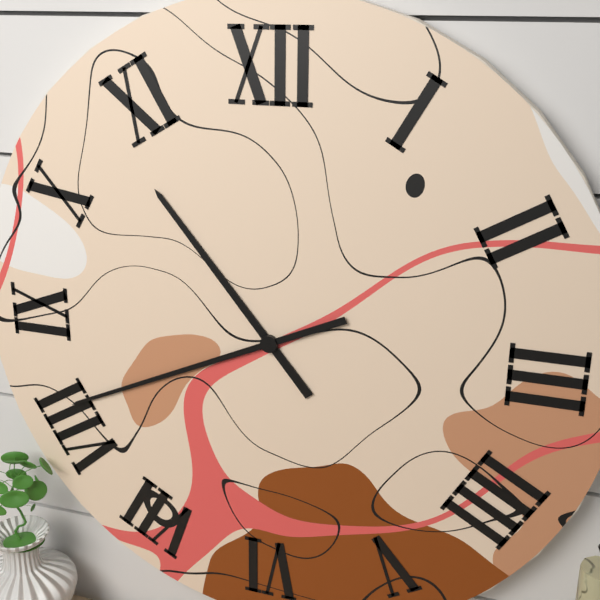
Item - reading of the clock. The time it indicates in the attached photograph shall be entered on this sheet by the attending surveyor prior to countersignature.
10:41
